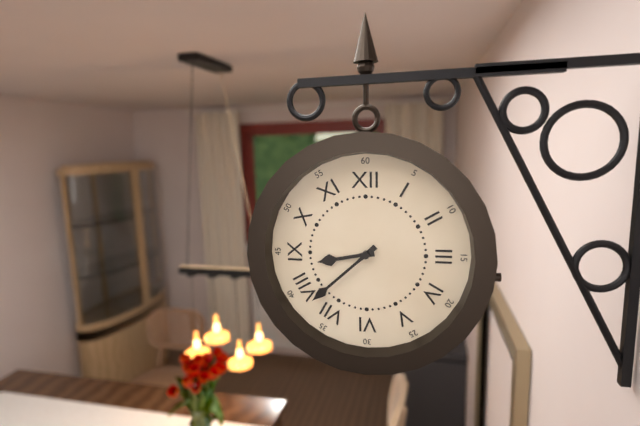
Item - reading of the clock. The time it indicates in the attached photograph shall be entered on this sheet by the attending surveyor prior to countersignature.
8:38
